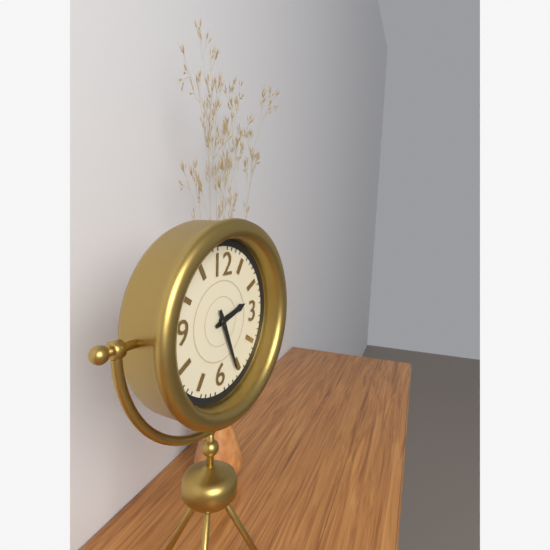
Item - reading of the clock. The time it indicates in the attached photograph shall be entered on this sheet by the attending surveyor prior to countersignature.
2:26
